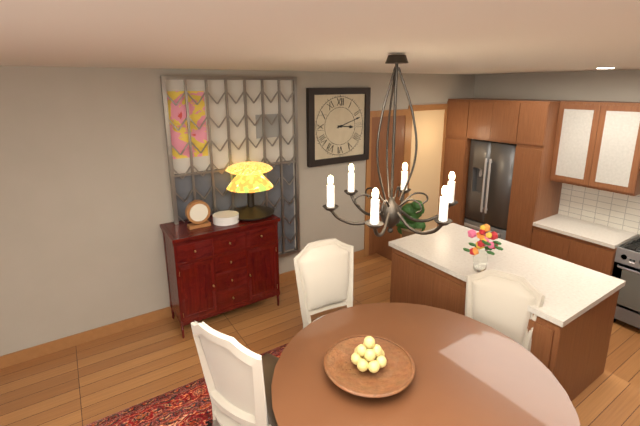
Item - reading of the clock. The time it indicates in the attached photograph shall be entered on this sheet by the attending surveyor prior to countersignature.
3:12
